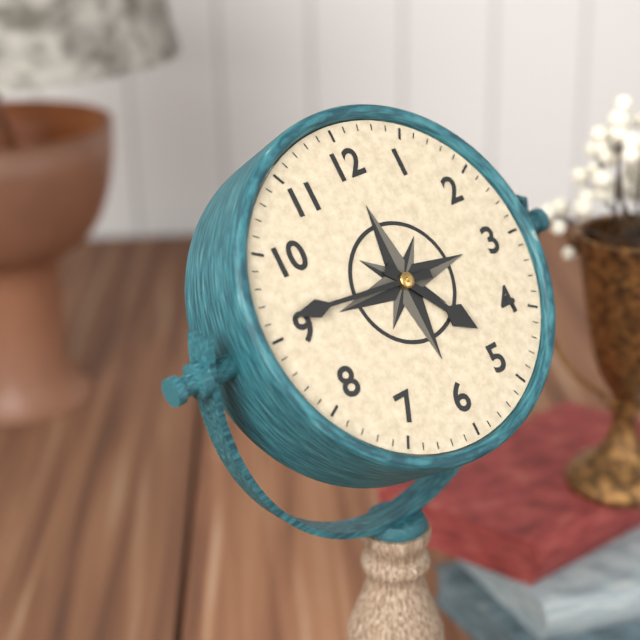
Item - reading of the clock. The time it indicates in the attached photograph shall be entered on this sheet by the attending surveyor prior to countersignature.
4:46
